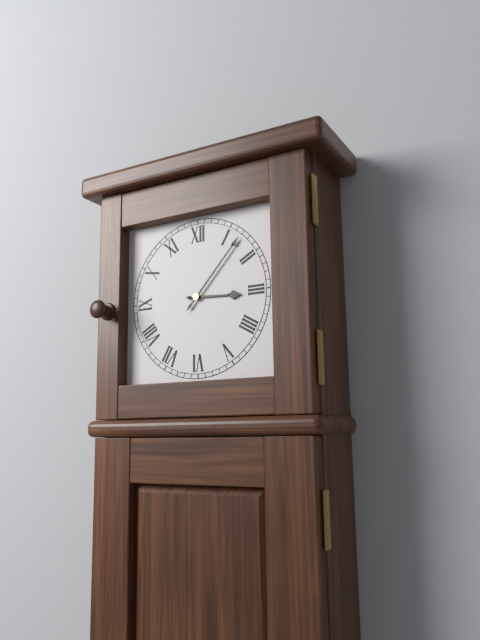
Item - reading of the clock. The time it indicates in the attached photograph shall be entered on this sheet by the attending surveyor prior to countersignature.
3:07
